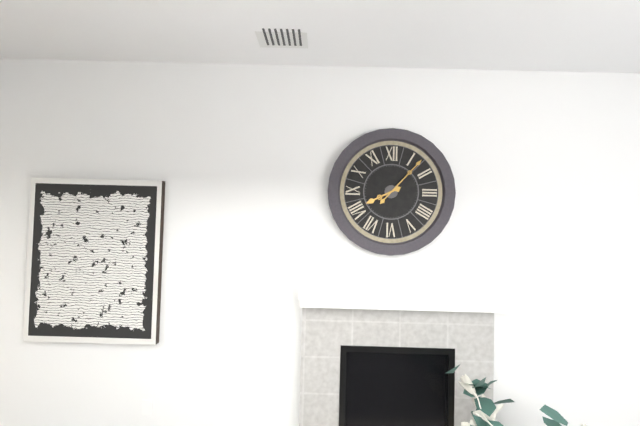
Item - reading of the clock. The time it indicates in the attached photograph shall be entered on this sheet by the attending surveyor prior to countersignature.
8:07
